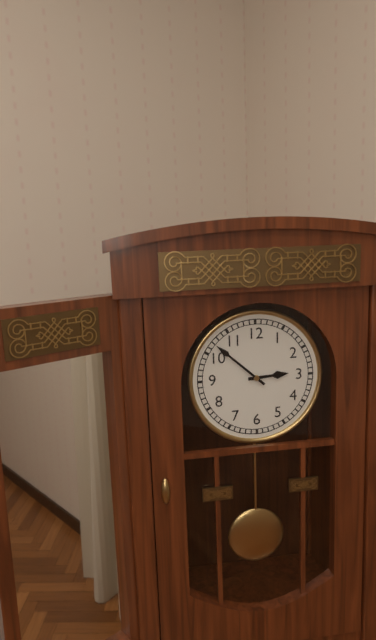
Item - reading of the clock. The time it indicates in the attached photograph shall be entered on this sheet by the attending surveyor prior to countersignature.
2:52
